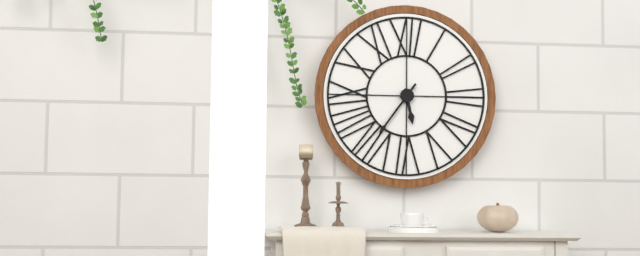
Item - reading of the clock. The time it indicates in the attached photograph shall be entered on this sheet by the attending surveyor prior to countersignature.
5:36
